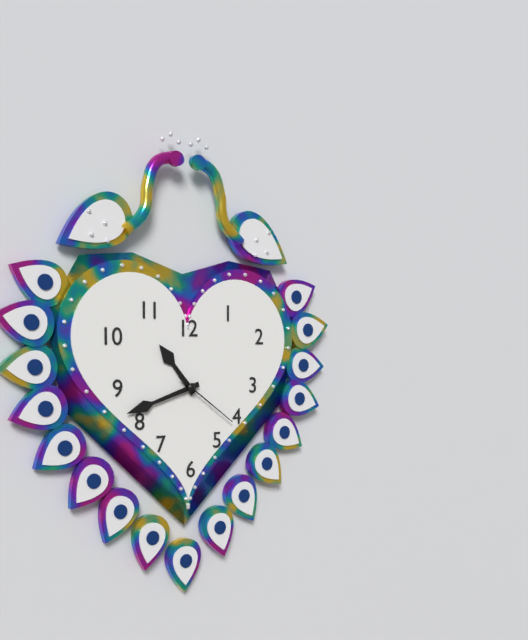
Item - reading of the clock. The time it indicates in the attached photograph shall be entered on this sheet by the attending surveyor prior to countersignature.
10:42:21
